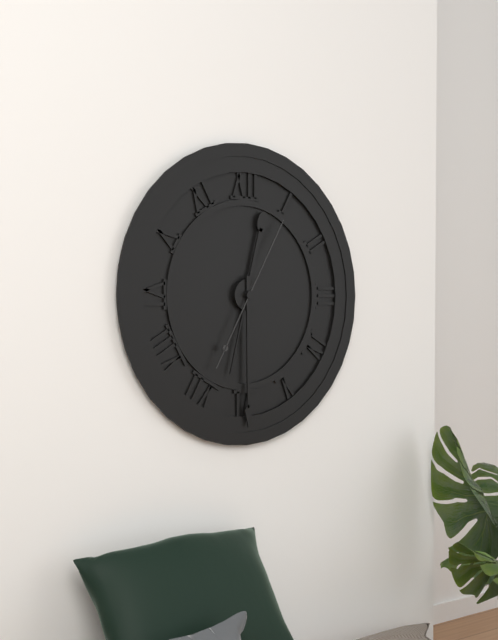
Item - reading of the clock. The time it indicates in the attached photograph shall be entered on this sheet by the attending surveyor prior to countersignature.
12:30:05
